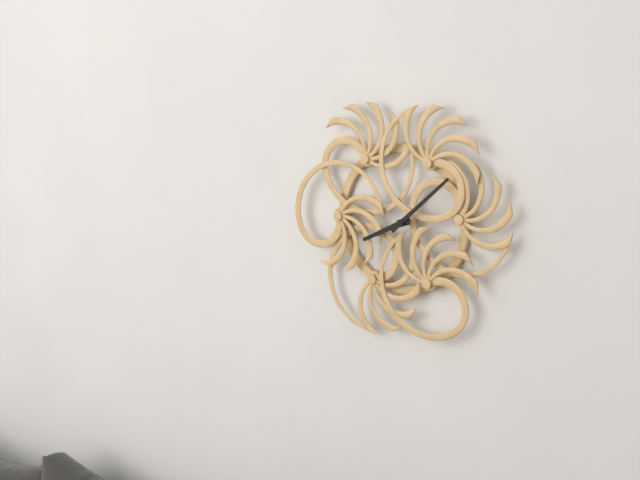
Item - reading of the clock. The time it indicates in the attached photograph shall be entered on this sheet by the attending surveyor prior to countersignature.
8:08
